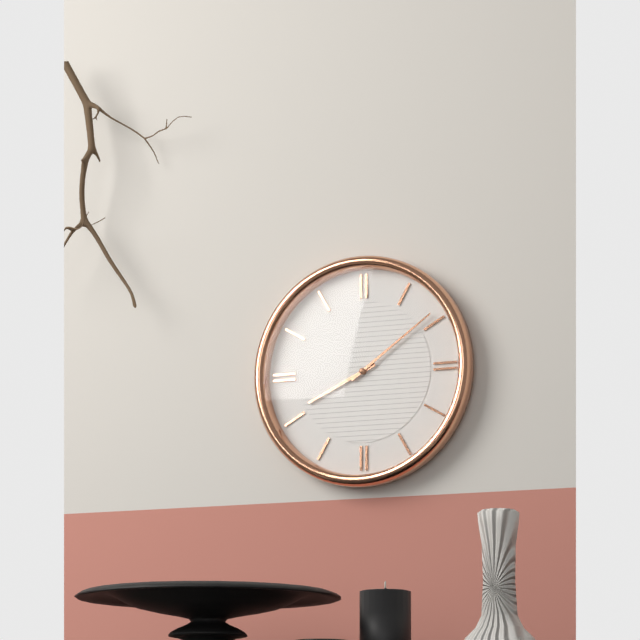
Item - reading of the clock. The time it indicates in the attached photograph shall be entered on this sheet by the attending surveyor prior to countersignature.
8:09
